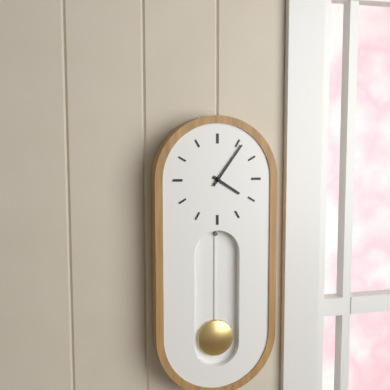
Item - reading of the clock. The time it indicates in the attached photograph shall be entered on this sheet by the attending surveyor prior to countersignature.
4:06
